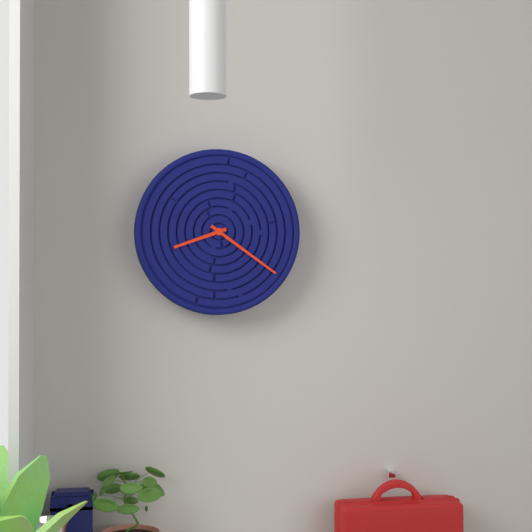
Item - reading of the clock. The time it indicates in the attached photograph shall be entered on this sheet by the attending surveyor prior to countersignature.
8:21
